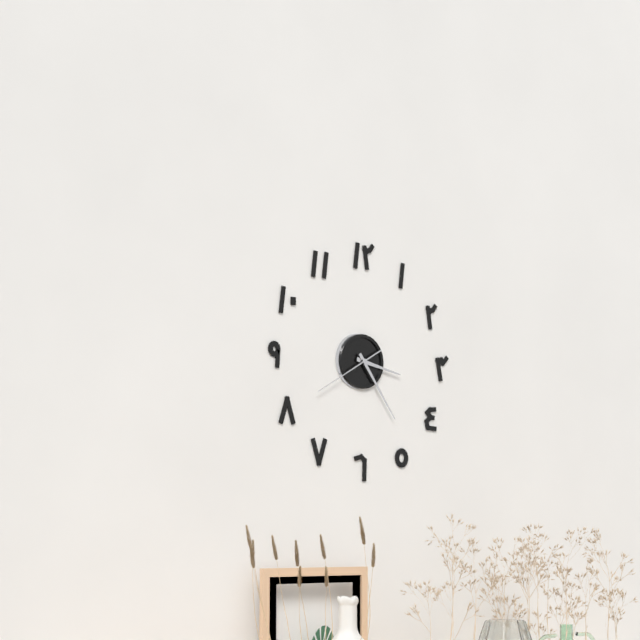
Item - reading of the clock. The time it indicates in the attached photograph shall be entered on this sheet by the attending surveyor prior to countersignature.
3:24:40
